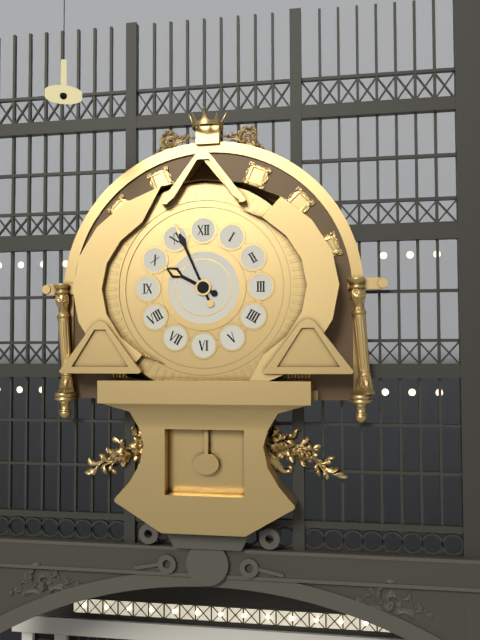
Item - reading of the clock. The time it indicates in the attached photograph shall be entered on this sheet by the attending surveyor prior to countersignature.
9:56
